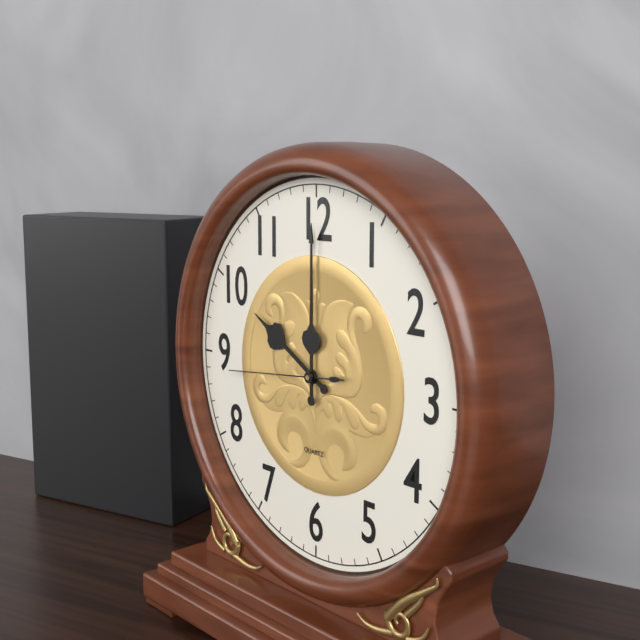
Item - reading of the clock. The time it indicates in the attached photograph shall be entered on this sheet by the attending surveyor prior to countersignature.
10:00:44
